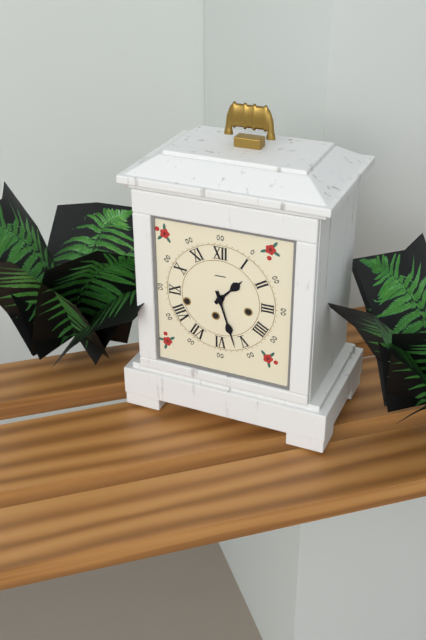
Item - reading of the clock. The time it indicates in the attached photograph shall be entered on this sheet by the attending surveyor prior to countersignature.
1:27
